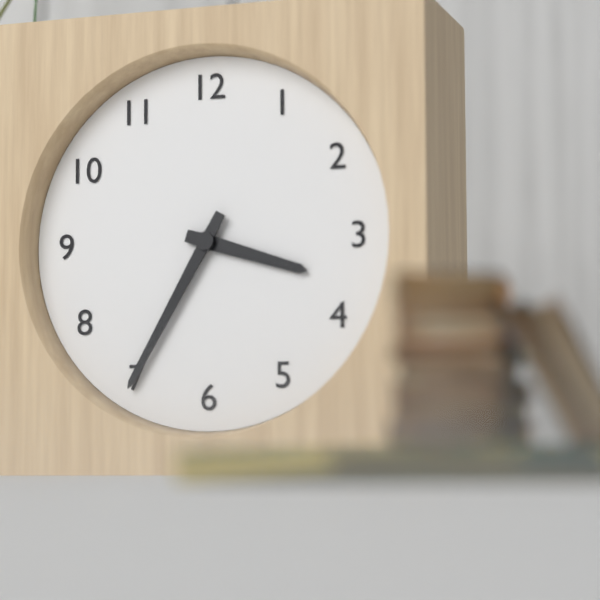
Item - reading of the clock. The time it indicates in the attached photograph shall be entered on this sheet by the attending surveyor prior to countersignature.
3:35
